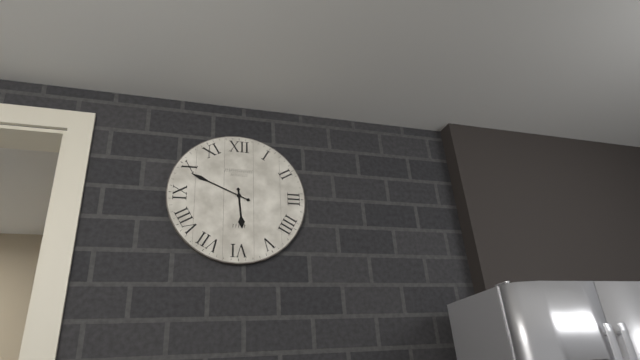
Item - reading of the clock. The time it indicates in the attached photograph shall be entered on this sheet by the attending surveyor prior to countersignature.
5:49
